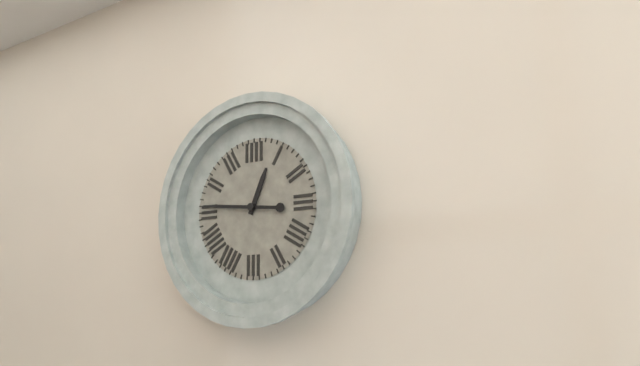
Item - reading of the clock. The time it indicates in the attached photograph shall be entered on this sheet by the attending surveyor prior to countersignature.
12:46
